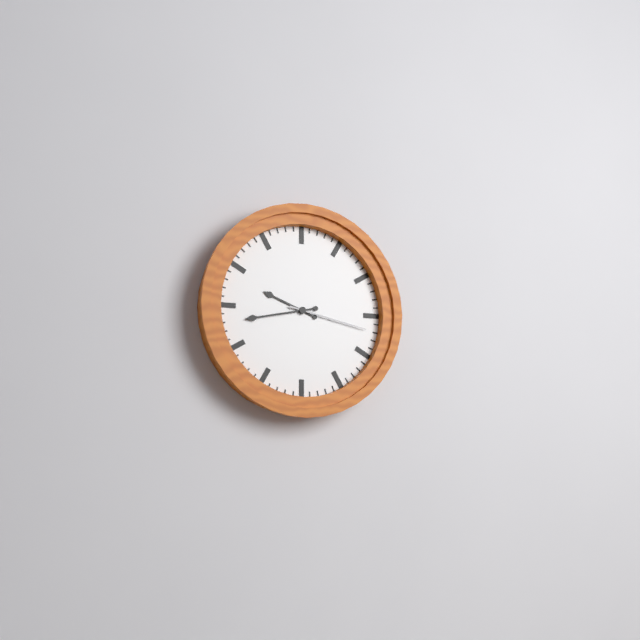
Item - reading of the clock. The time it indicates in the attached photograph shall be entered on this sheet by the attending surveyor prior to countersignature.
9:43:17
